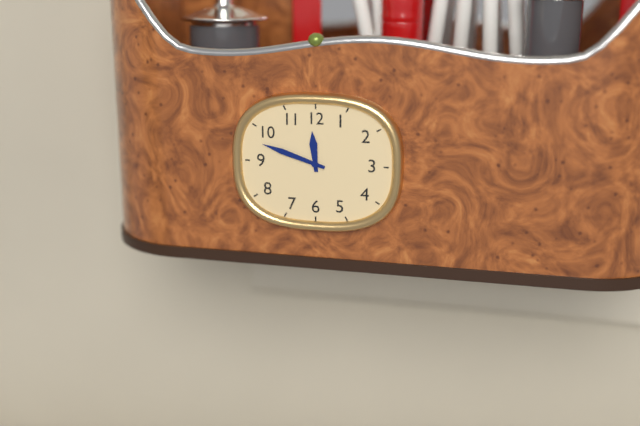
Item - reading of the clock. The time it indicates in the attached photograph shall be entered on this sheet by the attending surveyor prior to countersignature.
11:48
